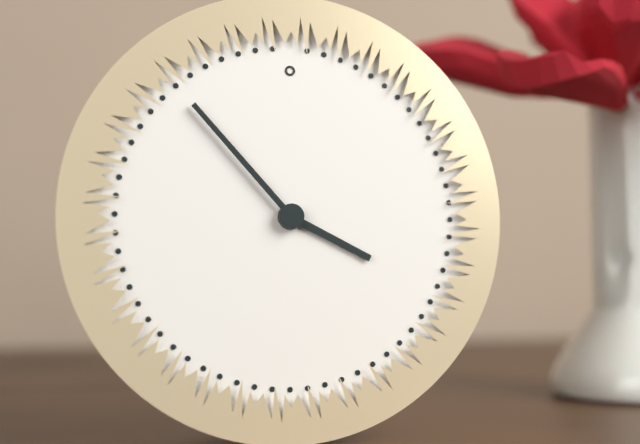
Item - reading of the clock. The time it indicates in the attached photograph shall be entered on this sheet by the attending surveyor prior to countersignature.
3:53
